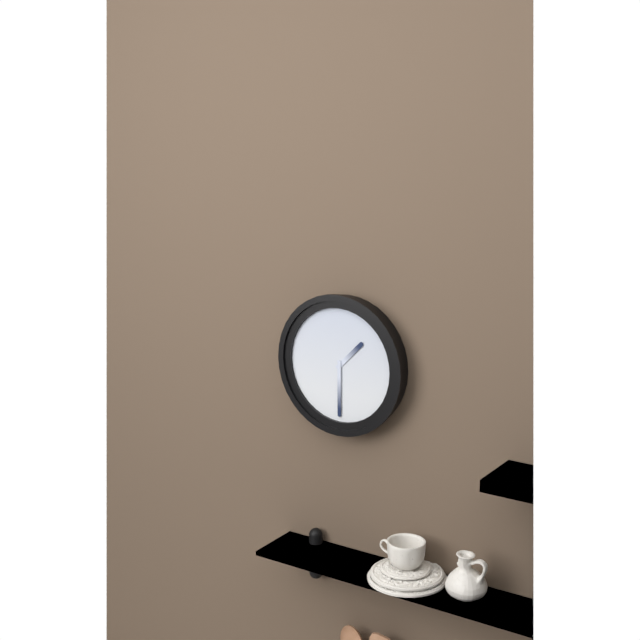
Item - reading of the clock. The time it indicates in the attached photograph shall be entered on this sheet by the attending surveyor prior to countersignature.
1:30
